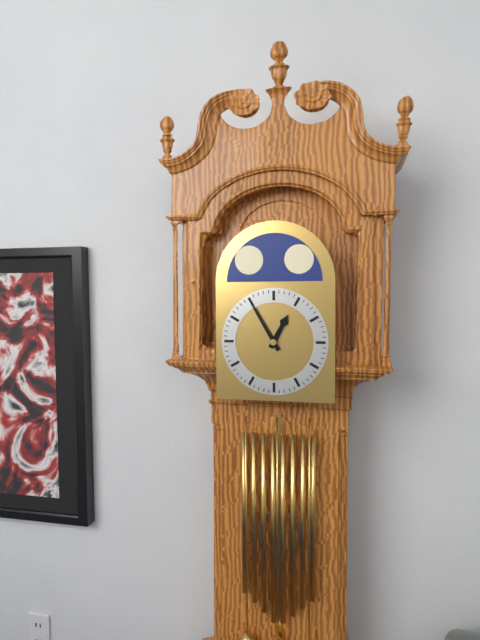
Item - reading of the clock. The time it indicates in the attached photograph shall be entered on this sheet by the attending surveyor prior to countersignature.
12:55
